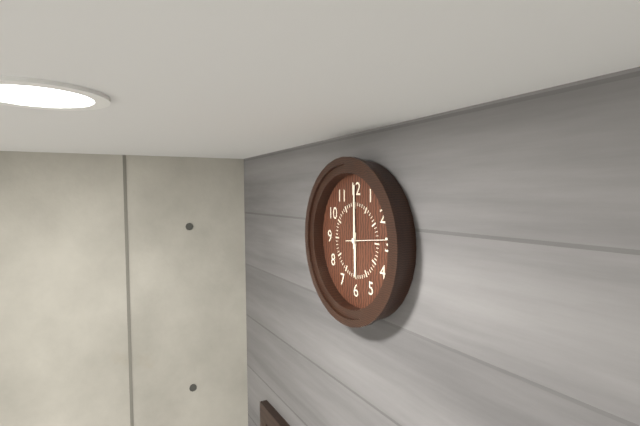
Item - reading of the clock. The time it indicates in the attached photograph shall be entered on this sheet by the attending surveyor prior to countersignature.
6:00
